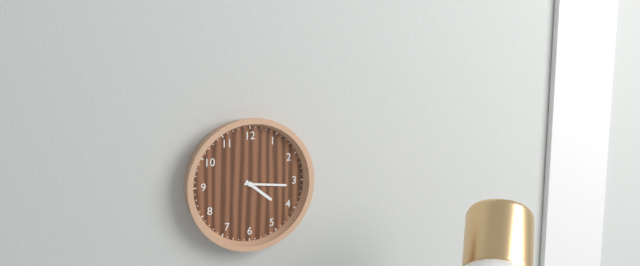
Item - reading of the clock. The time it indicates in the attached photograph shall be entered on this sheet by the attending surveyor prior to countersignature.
4:16
